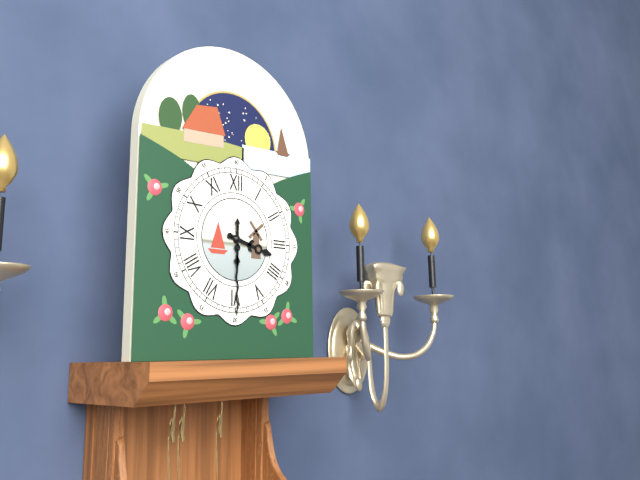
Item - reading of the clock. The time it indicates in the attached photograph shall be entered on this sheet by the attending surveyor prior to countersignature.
3:30
